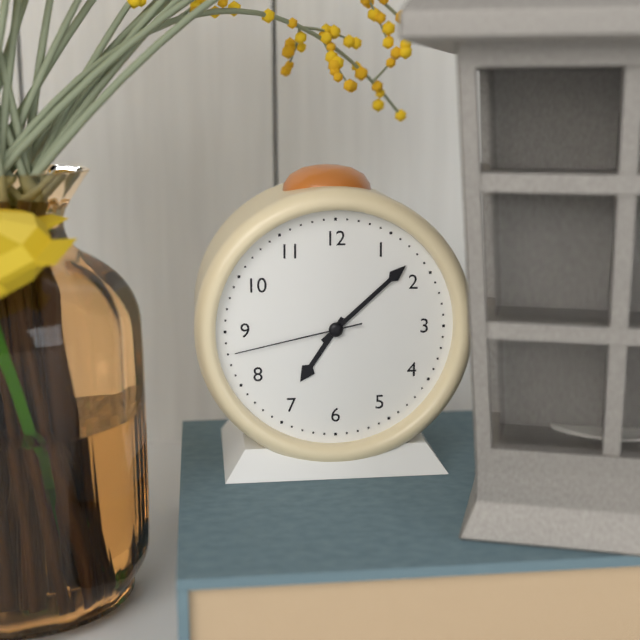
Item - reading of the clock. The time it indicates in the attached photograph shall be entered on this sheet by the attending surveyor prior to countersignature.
7:08:43
